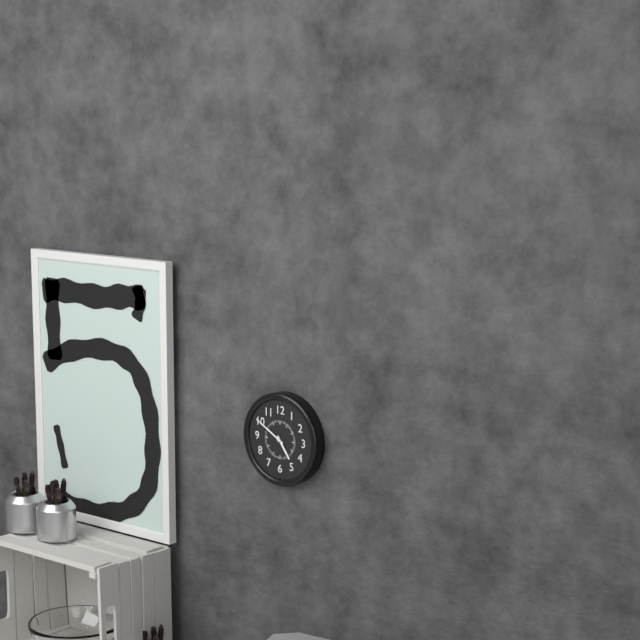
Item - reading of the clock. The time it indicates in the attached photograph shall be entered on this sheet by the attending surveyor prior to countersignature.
4:50
